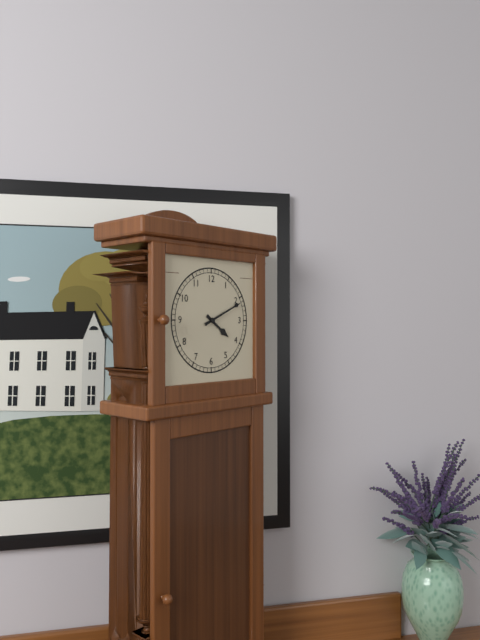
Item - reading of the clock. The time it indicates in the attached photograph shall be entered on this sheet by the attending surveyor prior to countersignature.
4:11
